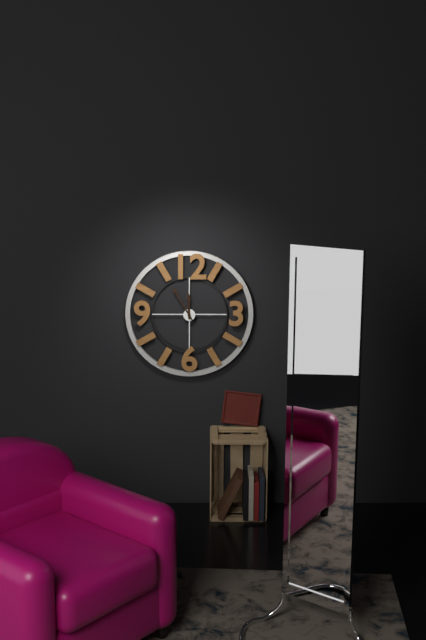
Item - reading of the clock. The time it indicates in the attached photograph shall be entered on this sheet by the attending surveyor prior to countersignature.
11:55
